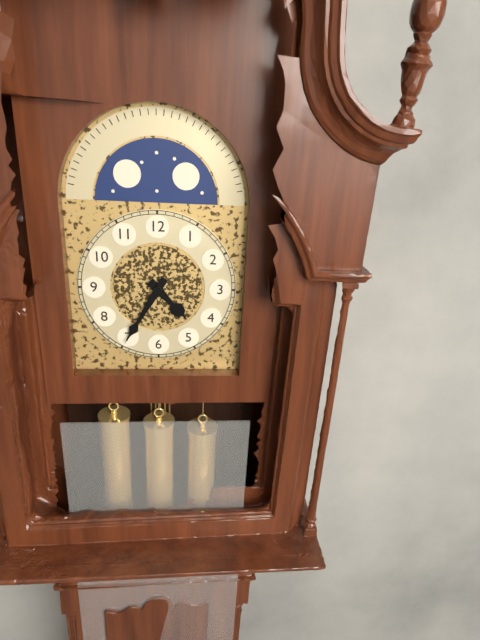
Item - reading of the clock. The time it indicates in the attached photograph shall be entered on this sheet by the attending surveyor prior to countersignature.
4:35
